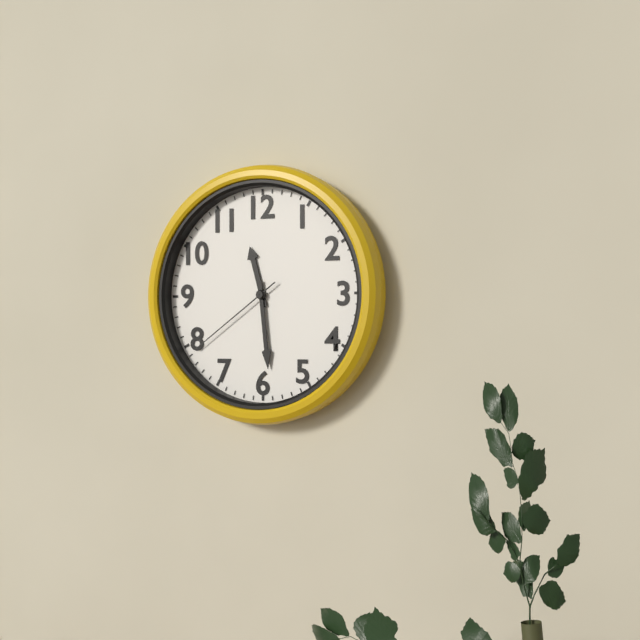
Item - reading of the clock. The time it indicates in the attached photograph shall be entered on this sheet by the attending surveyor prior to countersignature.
11:29:39
